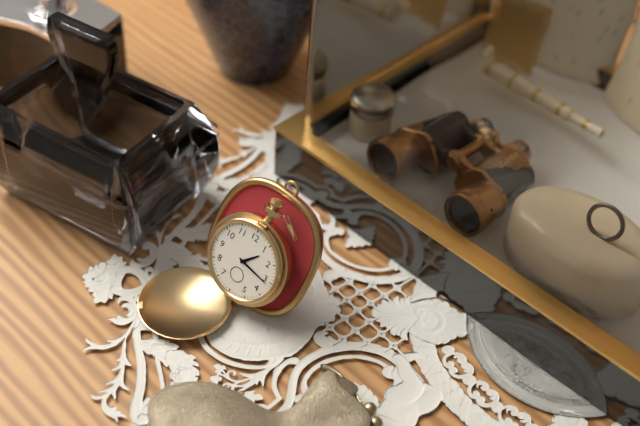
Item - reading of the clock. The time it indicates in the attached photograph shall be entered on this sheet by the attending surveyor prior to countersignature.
1:16
